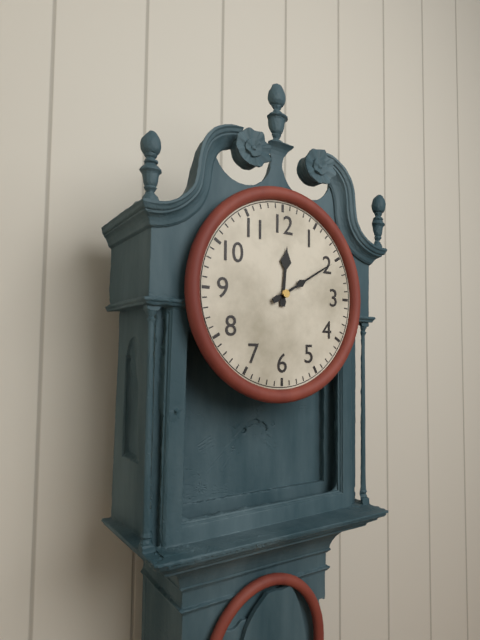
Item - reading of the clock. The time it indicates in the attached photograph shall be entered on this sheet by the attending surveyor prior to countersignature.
12:10
